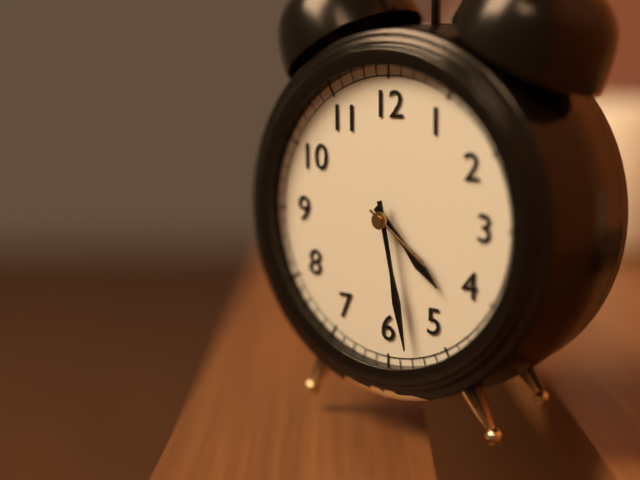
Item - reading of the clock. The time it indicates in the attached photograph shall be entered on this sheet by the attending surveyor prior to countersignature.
4:28:21
